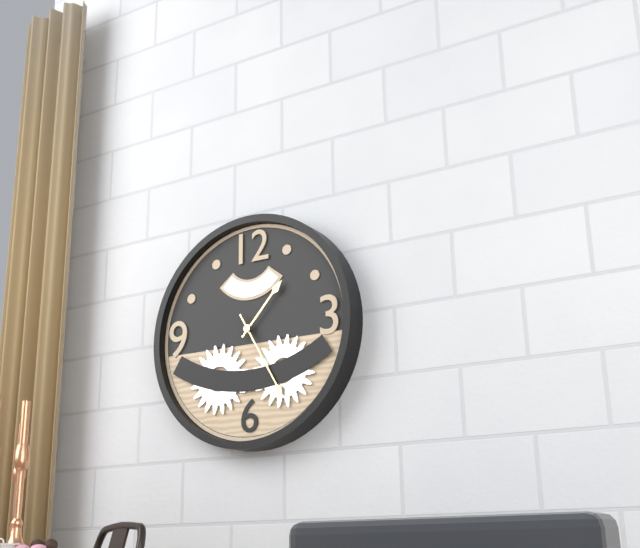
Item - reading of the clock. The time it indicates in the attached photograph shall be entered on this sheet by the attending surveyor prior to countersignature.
1:25
